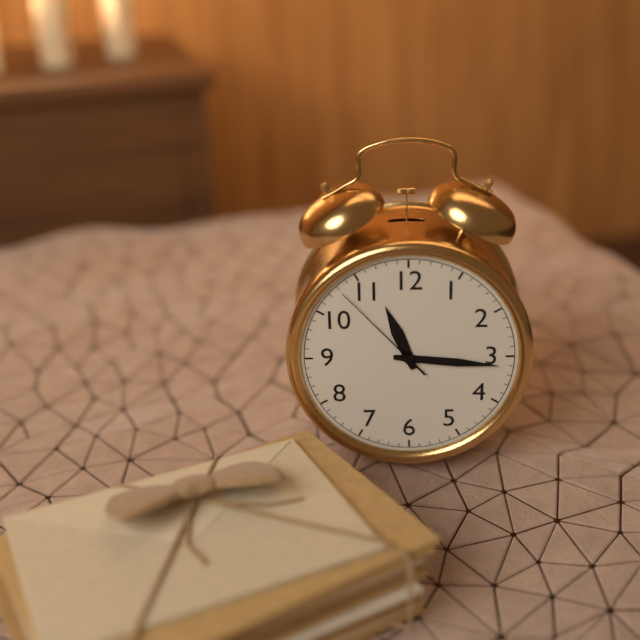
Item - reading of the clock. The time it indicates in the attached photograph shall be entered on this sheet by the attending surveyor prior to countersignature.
11:16:53
